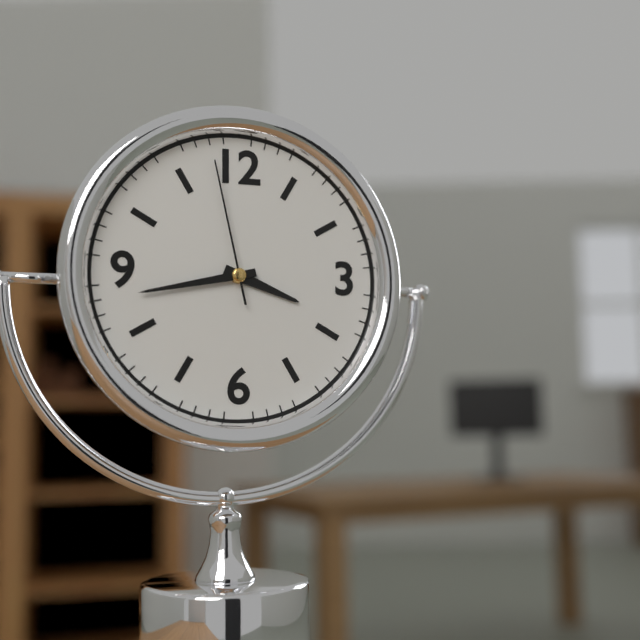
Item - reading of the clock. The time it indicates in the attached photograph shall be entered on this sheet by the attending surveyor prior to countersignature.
3:43:58
